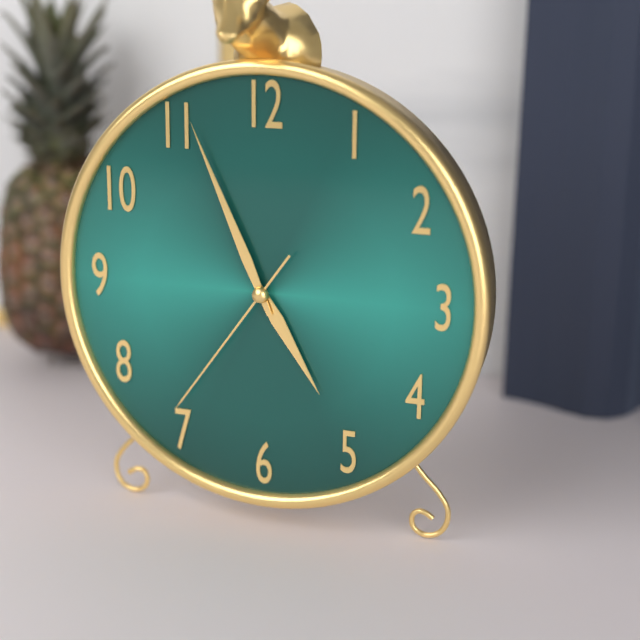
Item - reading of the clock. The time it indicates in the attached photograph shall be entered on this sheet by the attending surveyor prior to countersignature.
4:56:36
